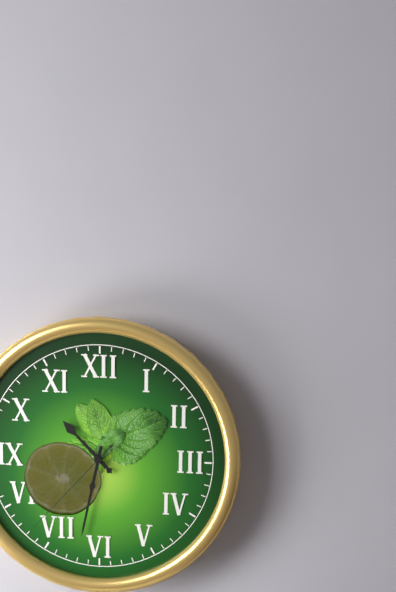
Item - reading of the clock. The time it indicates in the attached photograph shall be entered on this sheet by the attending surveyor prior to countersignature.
10:32:37
